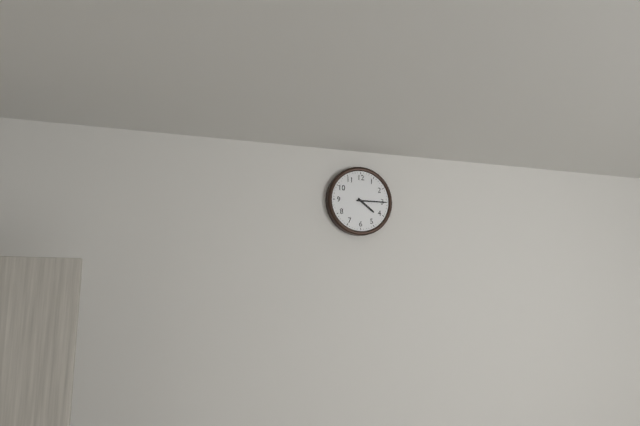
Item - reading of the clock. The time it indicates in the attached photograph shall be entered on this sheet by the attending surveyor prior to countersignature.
4:15
